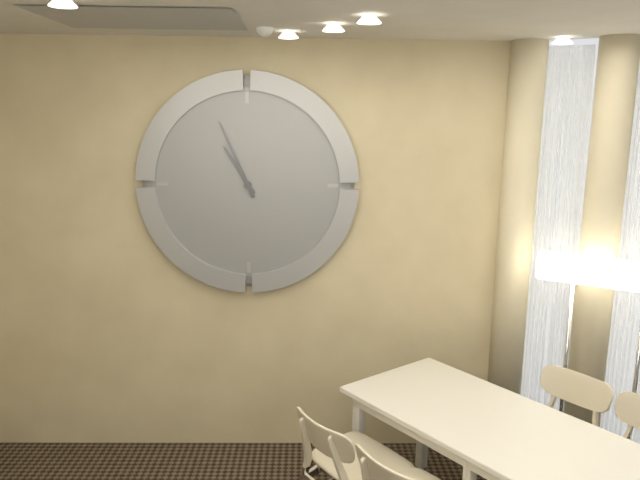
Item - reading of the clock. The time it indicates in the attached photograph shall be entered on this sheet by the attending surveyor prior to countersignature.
10:56
